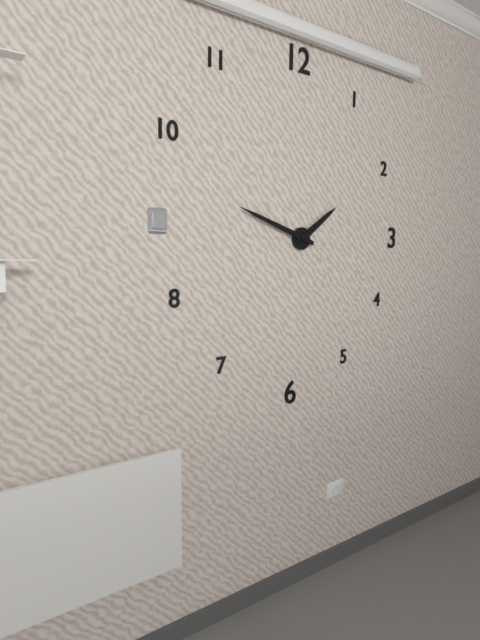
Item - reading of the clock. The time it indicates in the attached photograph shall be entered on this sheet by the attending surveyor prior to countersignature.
1:48
